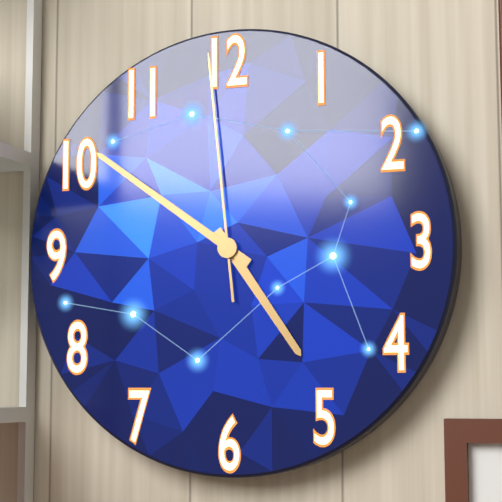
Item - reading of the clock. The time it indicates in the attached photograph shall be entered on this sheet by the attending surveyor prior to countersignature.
4:51:59
